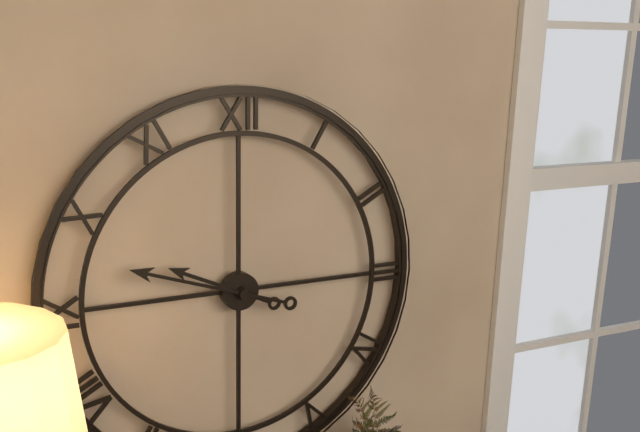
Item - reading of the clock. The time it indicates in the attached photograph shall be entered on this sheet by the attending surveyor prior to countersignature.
9:48
